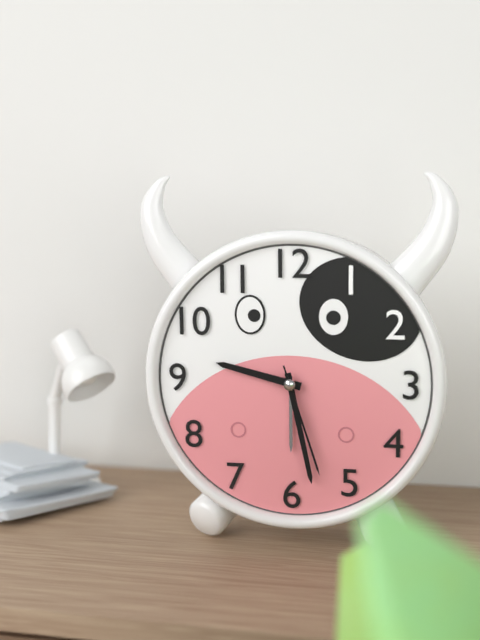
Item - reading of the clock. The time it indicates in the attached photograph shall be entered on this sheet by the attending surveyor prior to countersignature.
9:28:27
